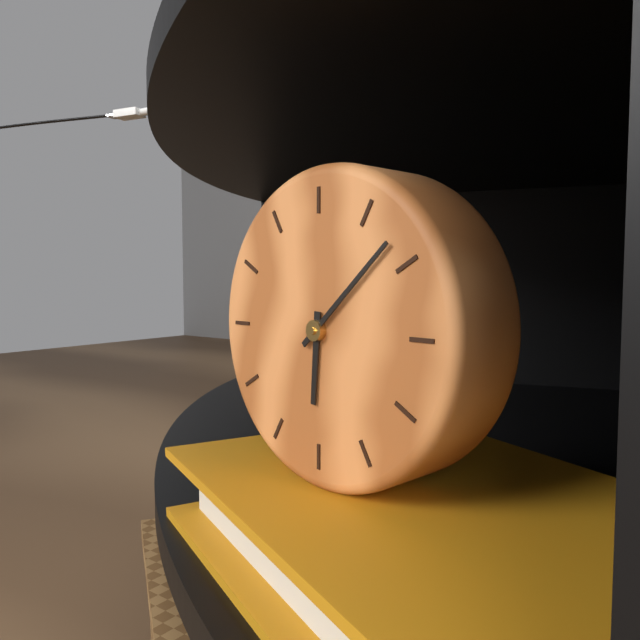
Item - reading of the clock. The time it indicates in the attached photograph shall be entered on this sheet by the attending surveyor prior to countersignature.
6:08
